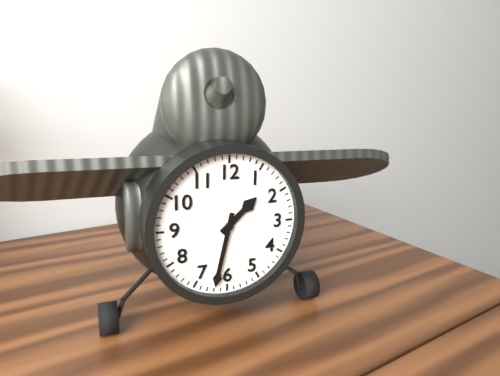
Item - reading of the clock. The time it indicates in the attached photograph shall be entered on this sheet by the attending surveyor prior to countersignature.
1:32
